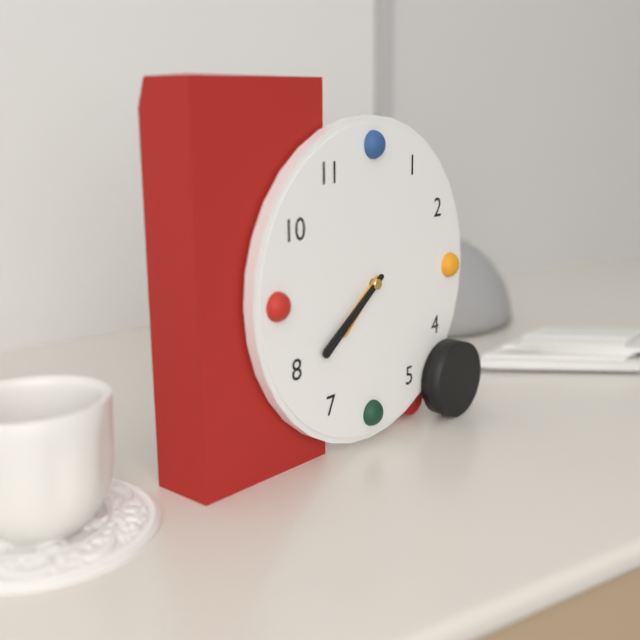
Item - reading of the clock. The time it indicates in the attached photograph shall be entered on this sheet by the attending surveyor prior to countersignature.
7:39
